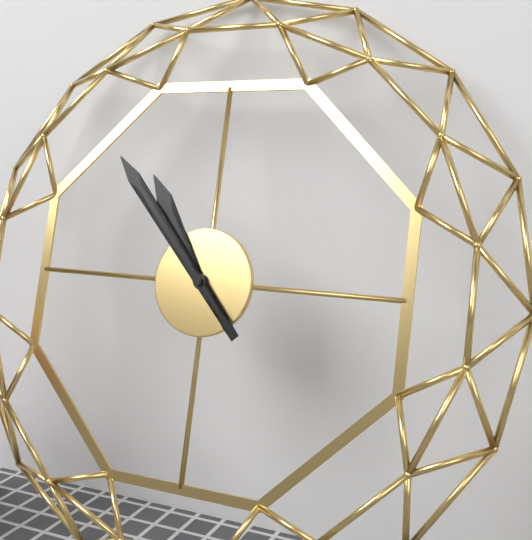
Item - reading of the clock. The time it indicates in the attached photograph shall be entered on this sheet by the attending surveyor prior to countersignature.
10:53
